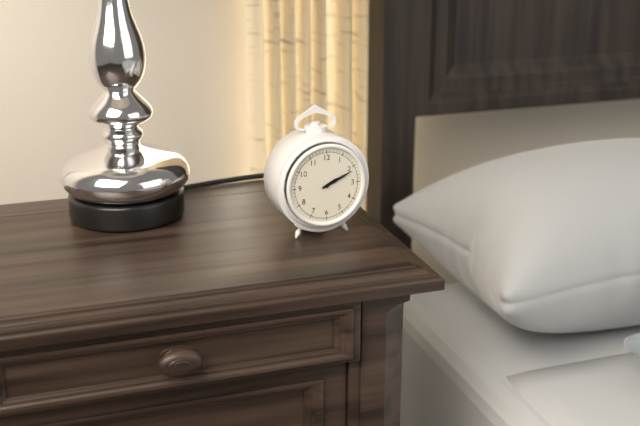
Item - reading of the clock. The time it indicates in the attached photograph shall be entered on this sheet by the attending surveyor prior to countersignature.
2:11
